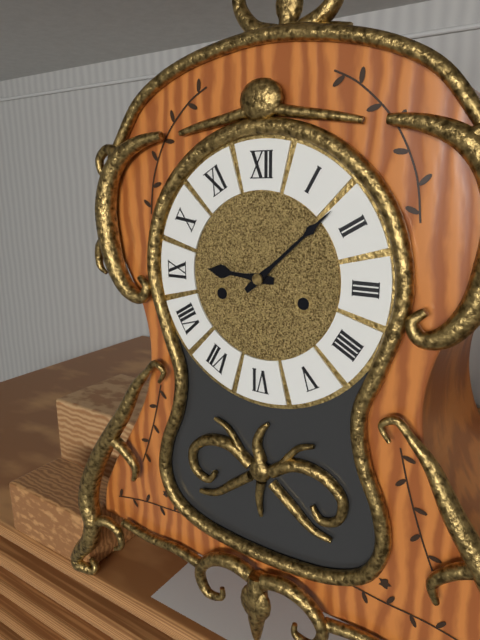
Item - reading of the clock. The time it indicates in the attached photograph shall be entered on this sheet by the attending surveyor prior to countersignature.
9:08
